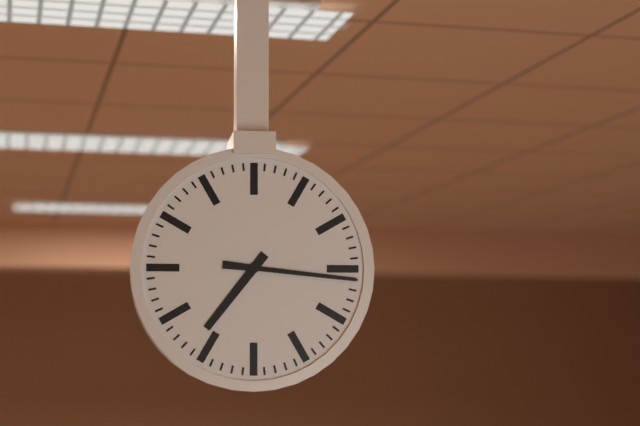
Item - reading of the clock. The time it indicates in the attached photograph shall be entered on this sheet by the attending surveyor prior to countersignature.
7:16
